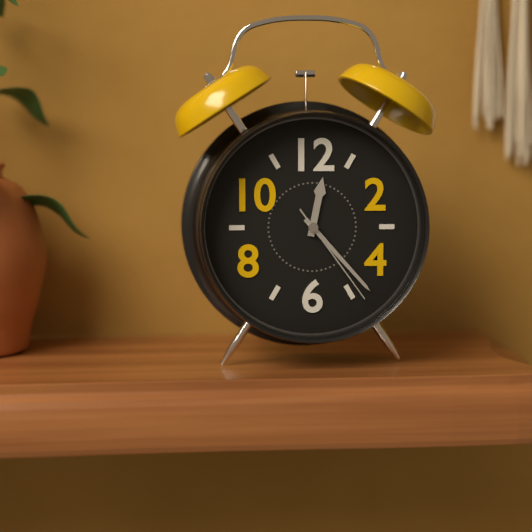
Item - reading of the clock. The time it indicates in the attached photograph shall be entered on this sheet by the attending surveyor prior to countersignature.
12:23:24
